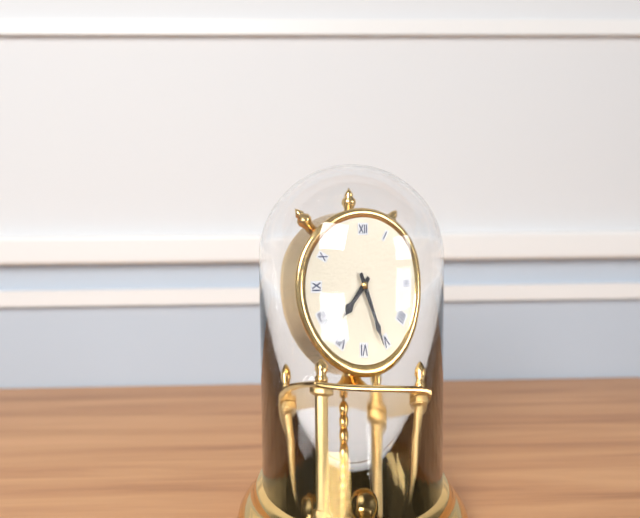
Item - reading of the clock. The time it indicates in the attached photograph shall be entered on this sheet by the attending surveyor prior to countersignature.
7:26
